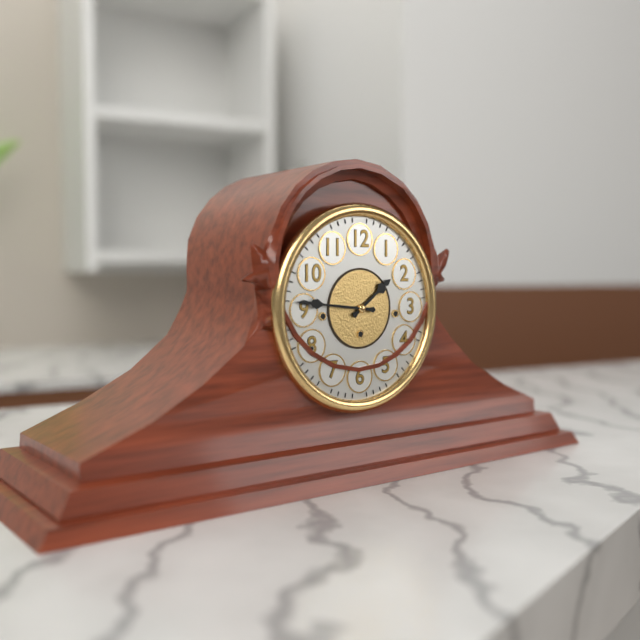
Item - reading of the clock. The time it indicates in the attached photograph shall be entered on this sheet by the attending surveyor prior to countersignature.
1:46
